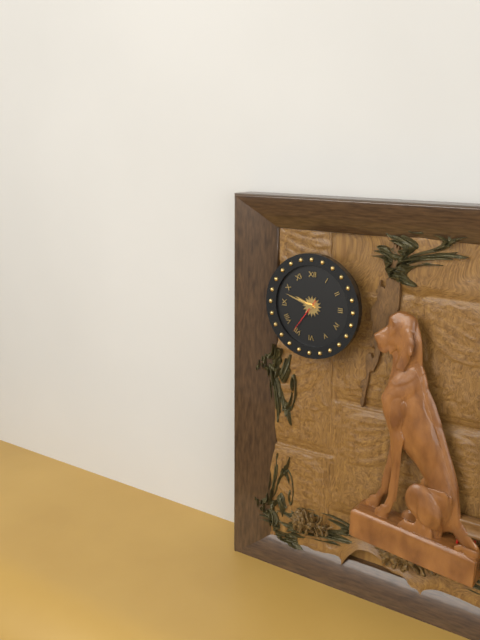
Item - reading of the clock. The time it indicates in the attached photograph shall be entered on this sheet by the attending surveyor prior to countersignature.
9:48
